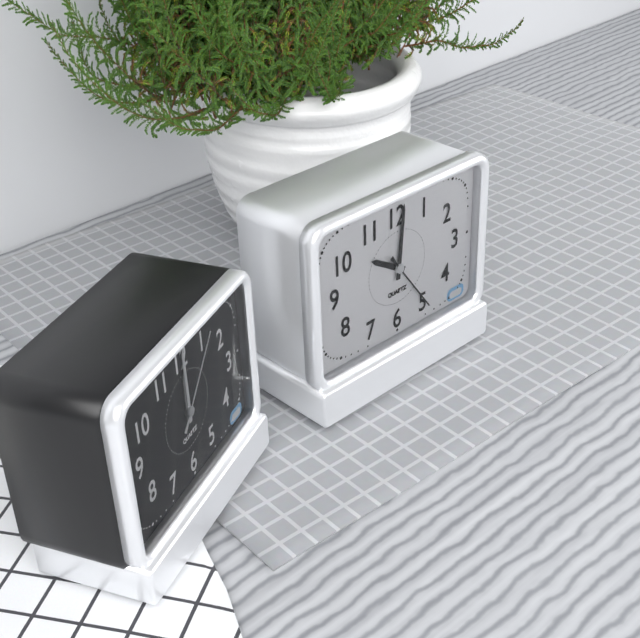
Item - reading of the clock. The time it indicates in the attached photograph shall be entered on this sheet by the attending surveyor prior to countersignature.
10:01:24
